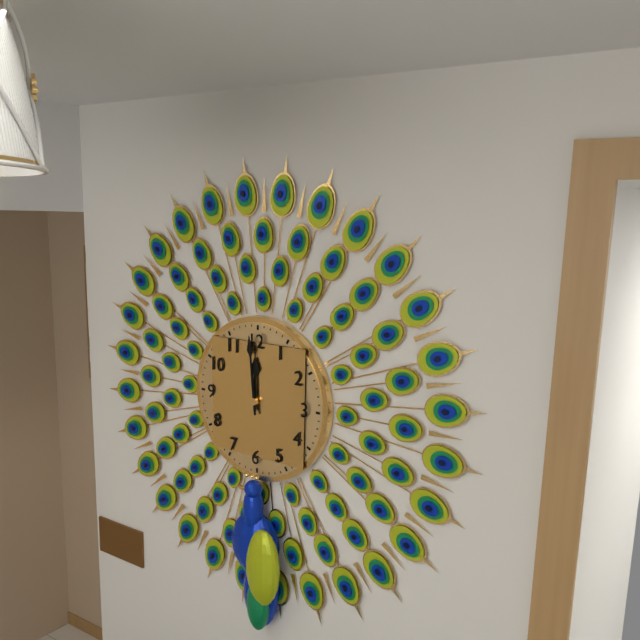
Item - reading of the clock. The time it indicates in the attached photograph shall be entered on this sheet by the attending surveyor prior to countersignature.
11:59
